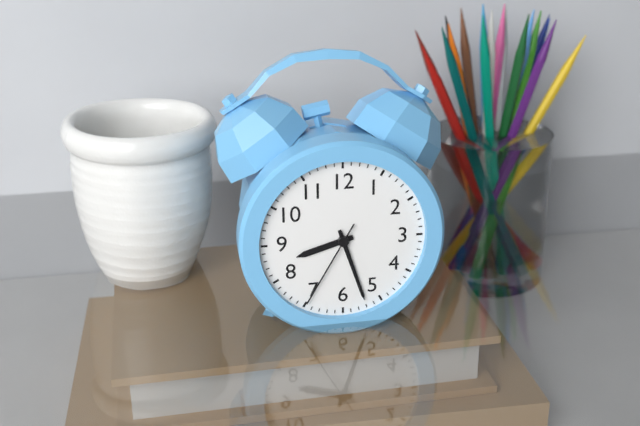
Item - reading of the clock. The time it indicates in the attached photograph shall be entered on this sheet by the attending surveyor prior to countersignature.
8:27:35
